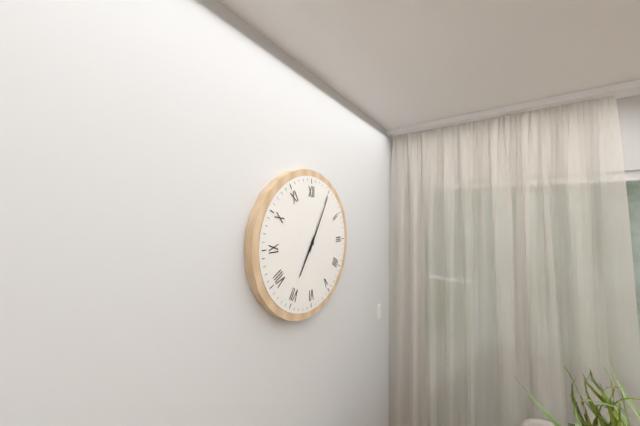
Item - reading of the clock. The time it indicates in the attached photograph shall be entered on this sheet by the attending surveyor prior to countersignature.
7:05
